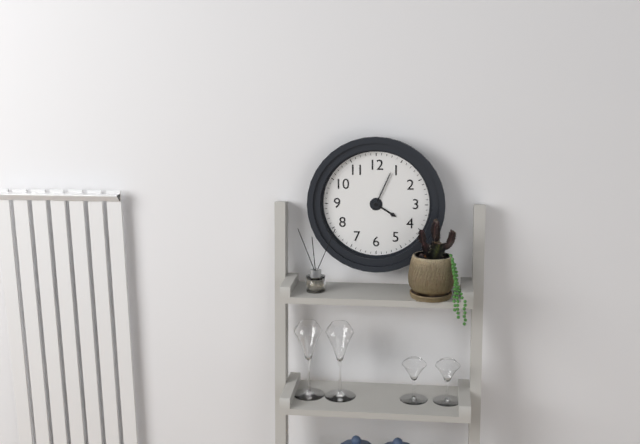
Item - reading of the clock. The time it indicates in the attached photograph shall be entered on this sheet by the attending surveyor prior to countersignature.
4:04
